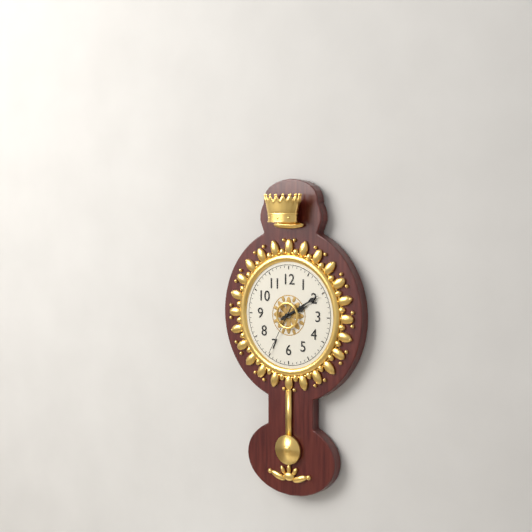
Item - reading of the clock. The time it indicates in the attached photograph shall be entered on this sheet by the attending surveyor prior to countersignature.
2:10:35
